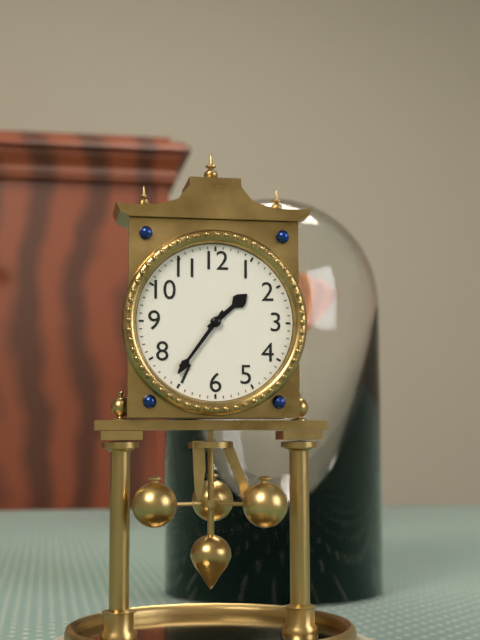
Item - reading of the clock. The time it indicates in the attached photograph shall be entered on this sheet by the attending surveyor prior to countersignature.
1:36
